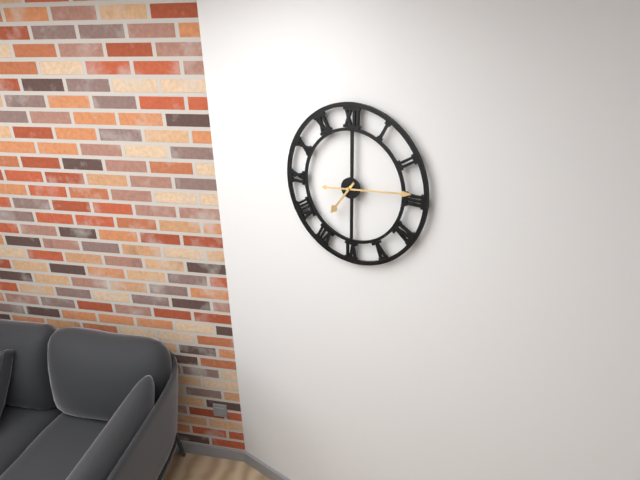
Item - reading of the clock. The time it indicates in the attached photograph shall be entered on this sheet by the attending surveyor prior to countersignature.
7:14
